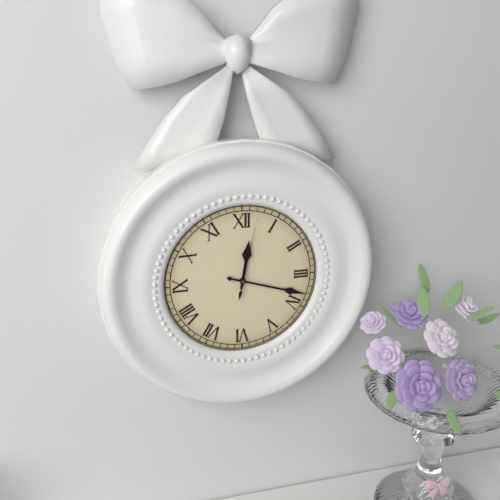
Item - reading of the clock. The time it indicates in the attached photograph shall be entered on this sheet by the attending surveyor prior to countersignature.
12:18:02
